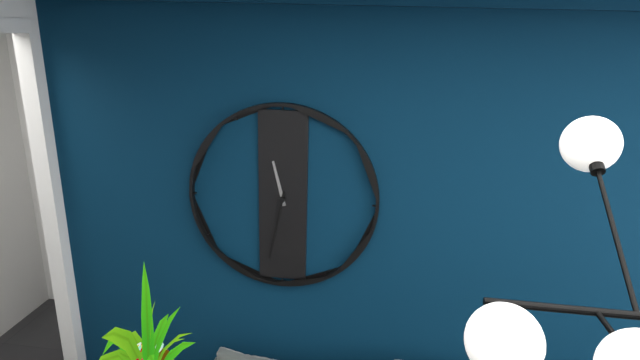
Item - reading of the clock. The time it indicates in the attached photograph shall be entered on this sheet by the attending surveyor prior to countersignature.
11:32
